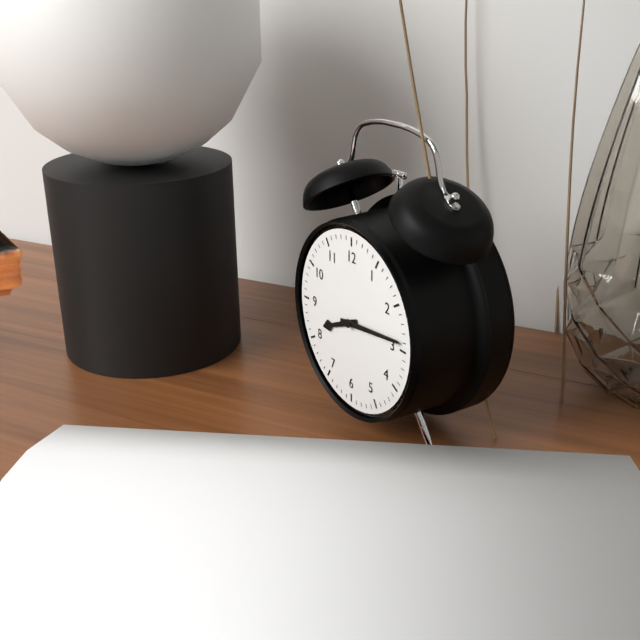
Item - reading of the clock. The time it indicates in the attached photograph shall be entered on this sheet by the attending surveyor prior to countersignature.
8:14
